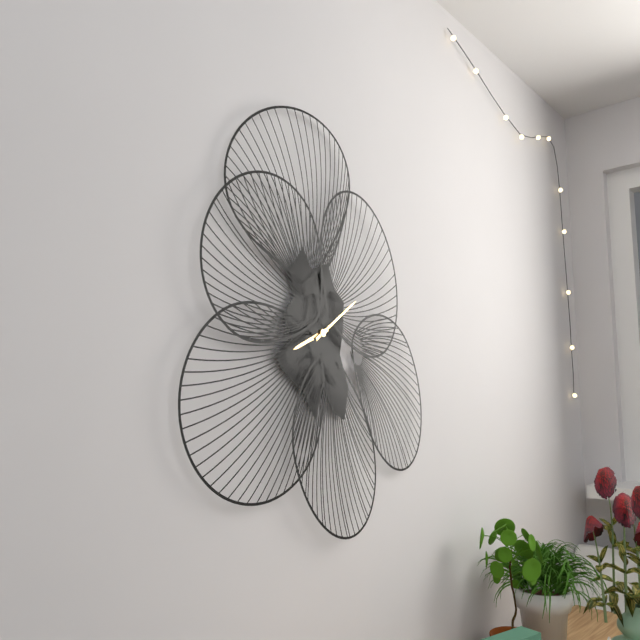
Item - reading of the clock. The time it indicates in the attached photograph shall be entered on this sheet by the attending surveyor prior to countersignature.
8:09
